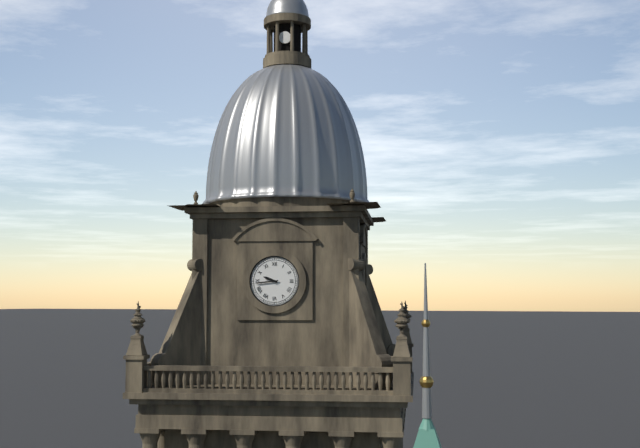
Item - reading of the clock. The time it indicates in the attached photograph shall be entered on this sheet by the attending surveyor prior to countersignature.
9:44
